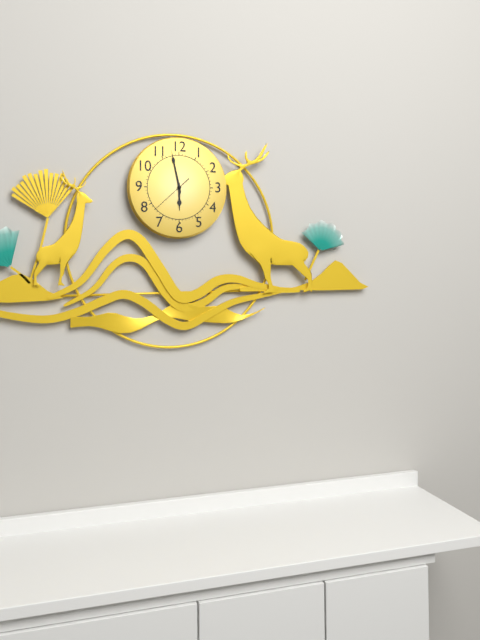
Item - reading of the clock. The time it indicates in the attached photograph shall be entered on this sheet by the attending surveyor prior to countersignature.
5:58
